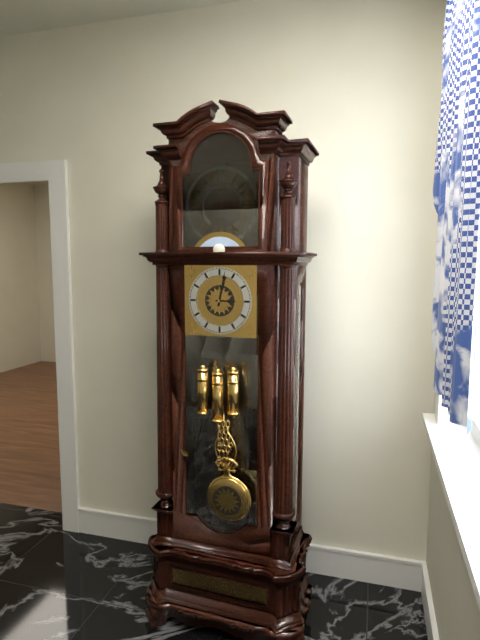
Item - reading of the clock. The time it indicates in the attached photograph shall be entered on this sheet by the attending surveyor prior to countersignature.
3:02
